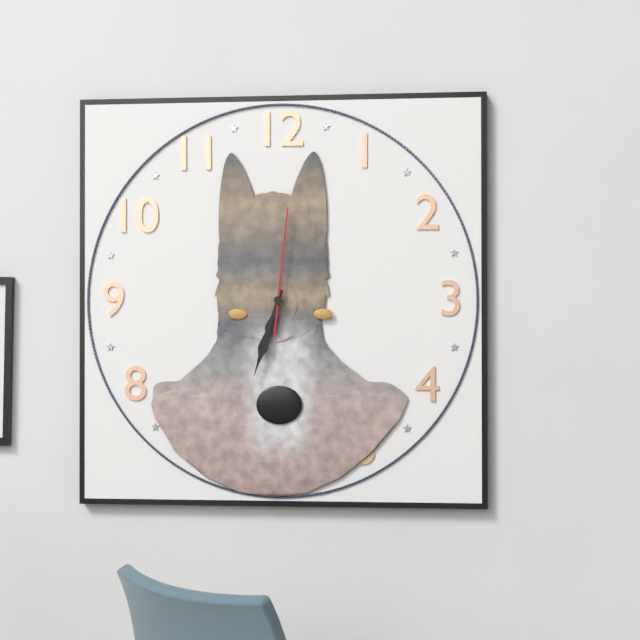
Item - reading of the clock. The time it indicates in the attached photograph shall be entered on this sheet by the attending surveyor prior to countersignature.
6:33:01
